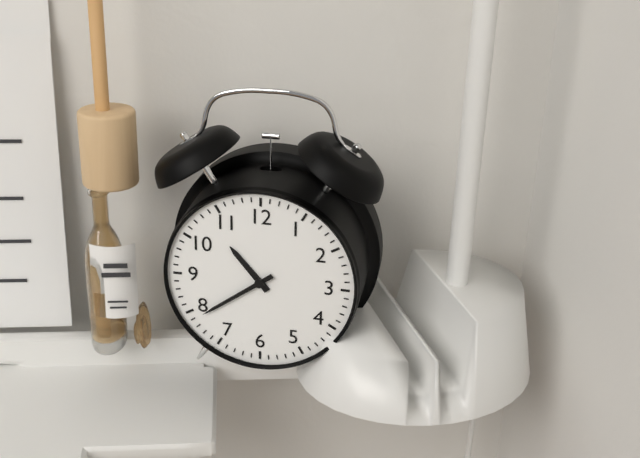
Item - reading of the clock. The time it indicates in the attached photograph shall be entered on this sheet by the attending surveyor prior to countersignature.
10:39
